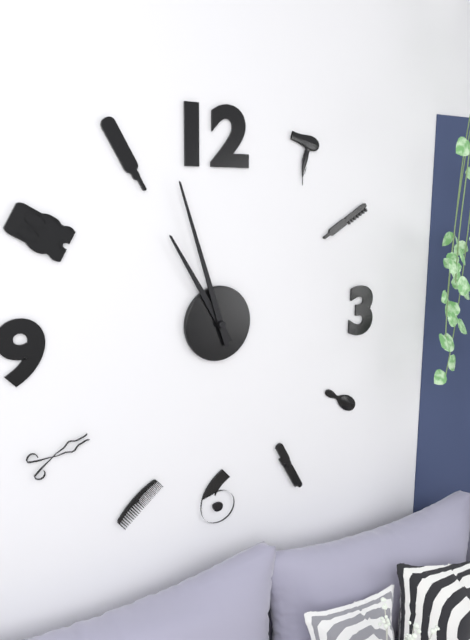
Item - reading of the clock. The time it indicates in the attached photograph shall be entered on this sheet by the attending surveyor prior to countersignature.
10:57
